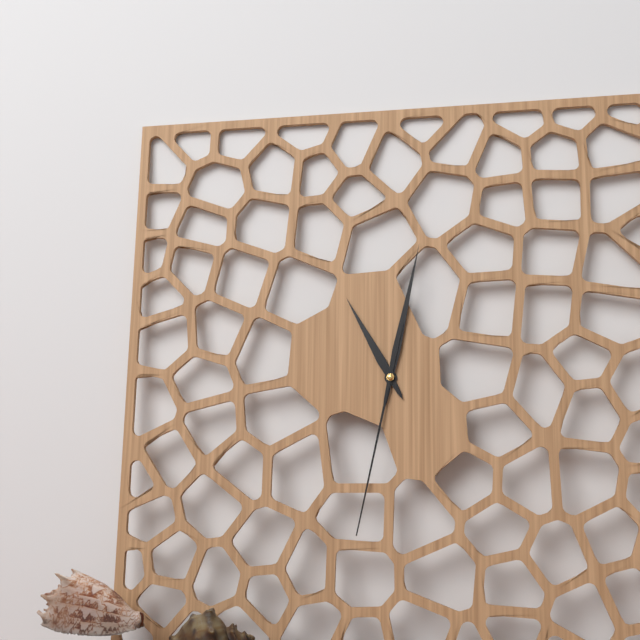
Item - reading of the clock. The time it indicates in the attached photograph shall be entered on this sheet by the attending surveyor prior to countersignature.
11:02:32
